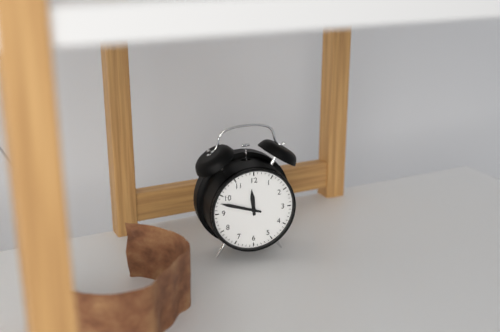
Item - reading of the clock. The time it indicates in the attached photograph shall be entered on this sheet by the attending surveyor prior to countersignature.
11:48
